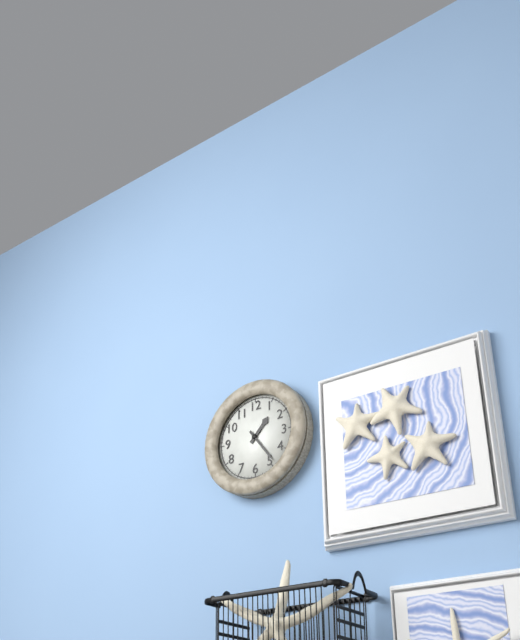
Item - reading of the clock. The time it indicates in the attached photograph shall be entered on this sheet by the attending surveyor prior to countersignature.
1:24
